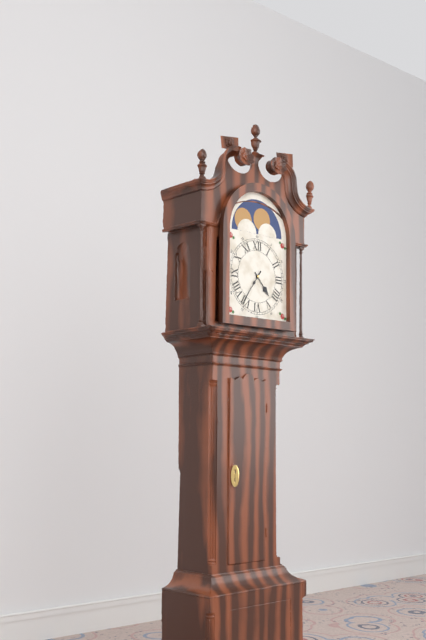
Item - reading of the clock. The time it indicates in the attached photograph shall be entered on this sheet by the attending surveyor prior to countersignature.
4:36
